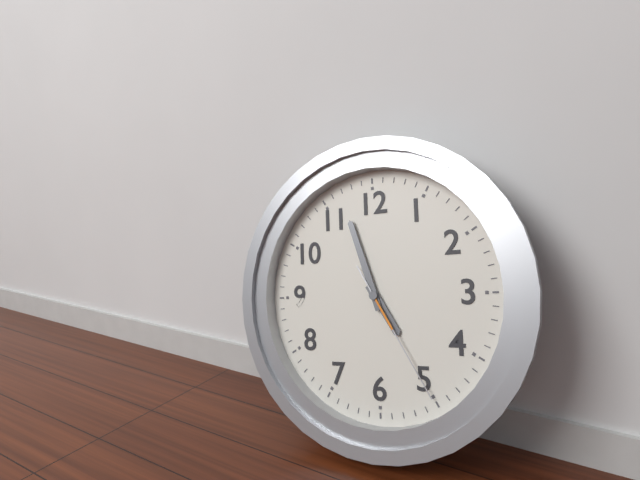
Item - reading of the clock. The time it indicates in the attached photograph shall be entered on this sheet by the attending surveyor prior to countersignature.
4:57:25
